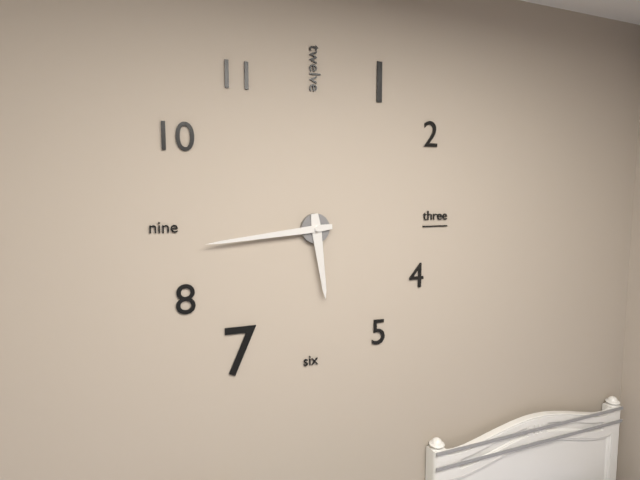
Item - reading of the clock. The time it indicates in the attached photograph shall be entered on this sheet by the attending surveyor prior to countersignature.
5:44
